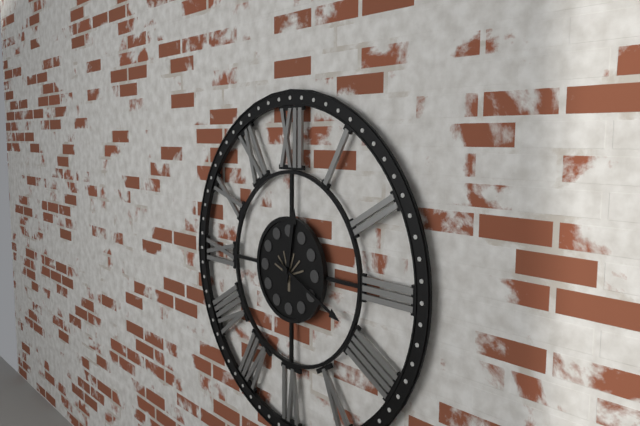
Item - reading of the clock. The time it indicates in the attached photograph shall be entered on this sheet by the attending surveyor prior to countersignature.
12:19
